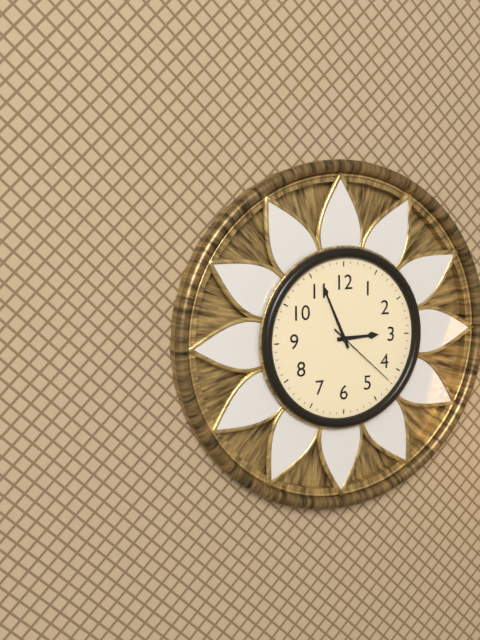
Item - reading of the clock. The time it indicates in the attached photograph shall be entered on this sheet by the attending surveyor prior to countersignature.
2:56:22
